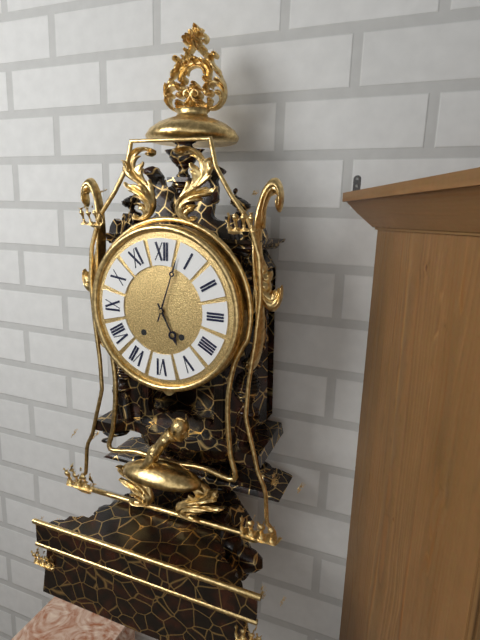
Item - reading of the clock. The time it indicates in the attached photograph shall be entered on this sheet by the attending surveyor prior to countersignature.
5:03
